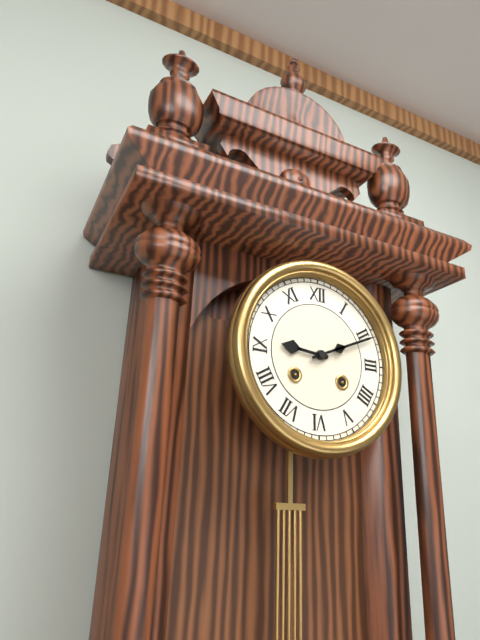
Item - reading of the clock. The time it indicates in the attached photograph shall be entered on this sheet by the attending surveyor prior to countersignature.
9:11
